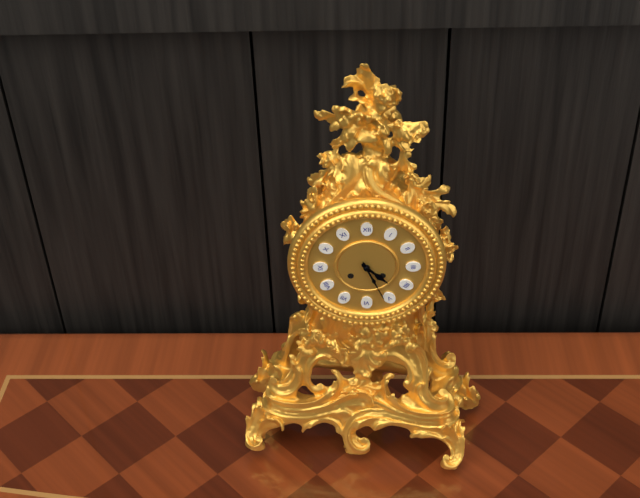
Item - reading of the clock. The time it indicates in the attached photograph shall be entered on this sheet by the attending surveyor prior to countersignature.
4:26
